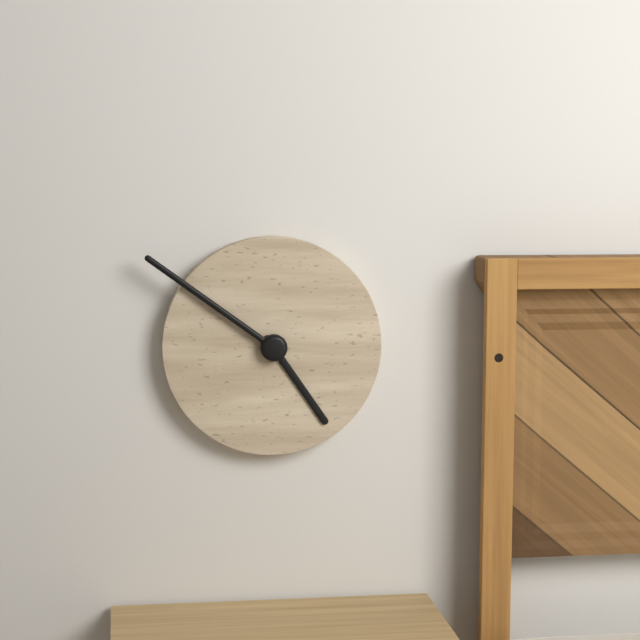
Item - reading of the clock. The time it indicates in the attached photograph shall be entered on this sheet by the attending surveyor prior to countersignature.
4:51
